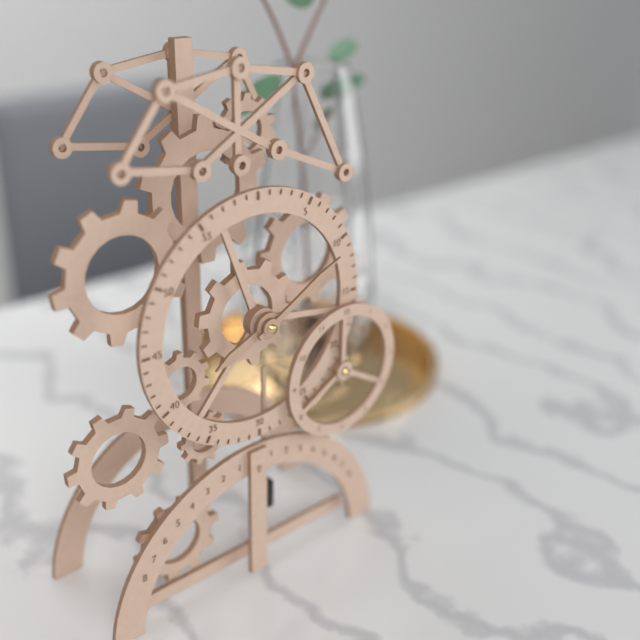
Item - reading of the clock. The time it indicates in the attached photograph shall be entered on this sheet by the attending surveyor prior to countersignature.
8:10
